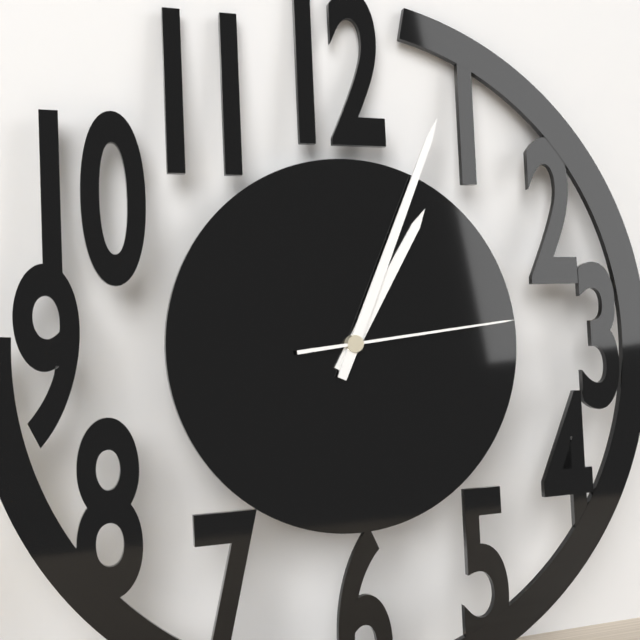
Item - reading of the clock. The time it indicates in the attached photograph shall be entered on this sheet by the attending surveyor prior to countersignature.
1:04:14
